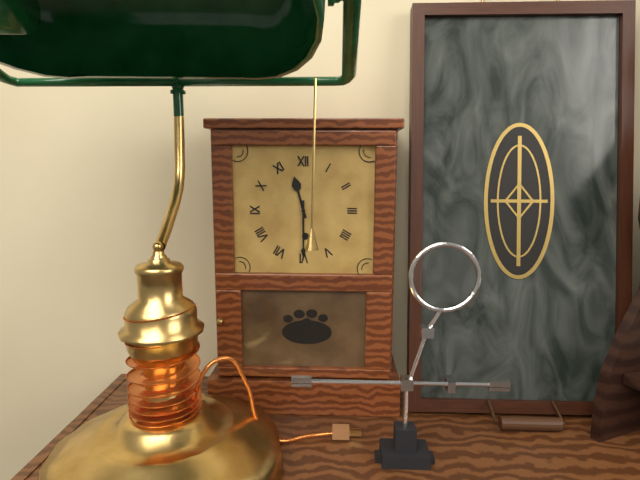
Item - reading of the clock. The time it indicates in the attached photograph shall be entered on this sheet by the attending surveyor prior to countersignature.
11:30
